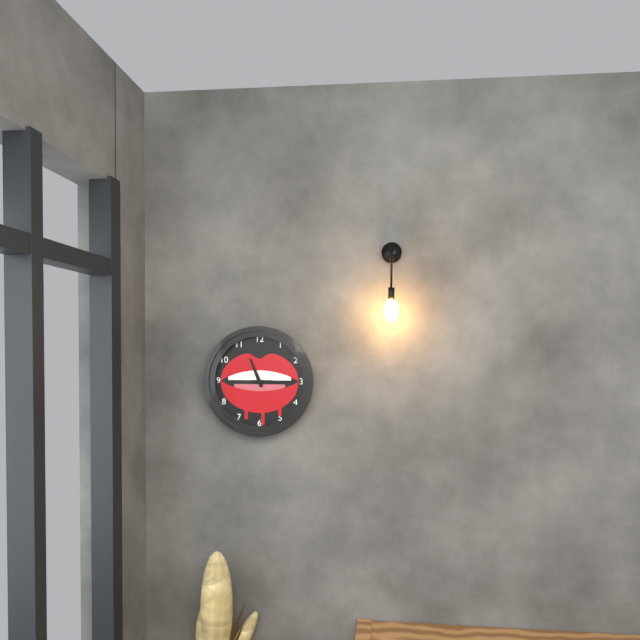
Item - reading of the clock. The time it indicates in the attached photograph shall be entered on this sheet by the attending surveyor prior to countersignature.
11:15
